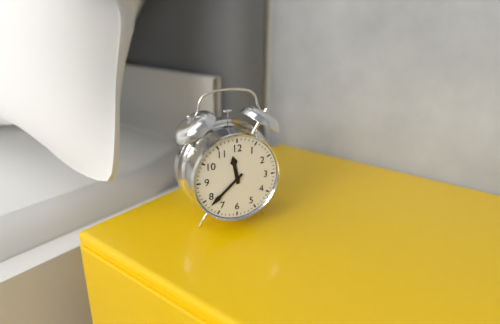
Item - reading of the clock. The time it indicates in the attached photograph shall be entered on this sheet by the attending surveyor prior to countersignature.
11:38
